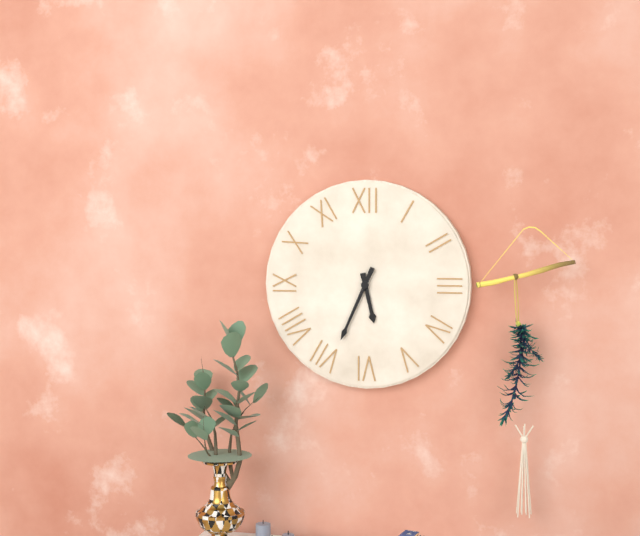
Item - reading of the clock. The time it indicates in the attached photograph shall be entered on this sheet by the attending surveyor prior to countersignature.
5:34
